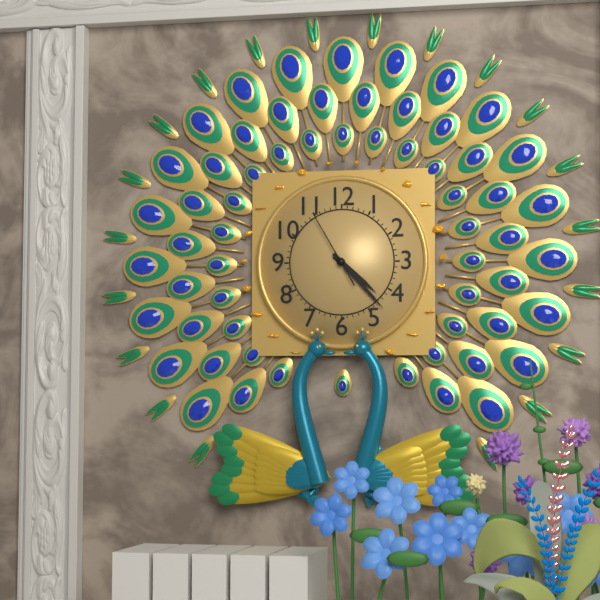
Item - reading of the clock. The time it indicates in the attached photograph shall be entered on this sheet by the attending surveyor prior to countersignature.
4:23:55
